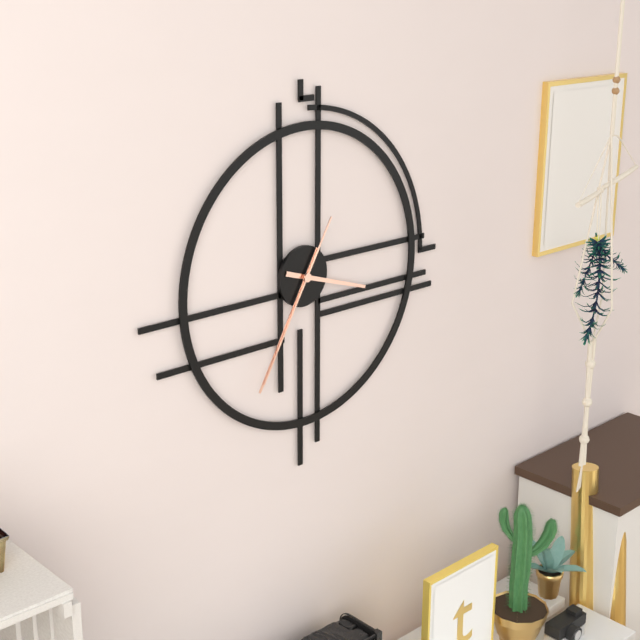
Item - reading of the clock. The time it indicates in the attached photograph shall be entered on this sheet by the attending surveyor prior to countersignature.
3:35:35
